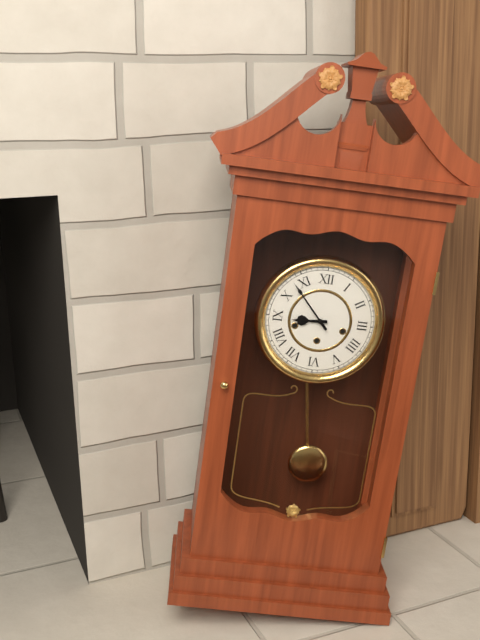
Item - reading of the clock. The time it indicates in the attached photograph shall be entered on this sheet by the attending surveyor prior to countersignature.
8:53
